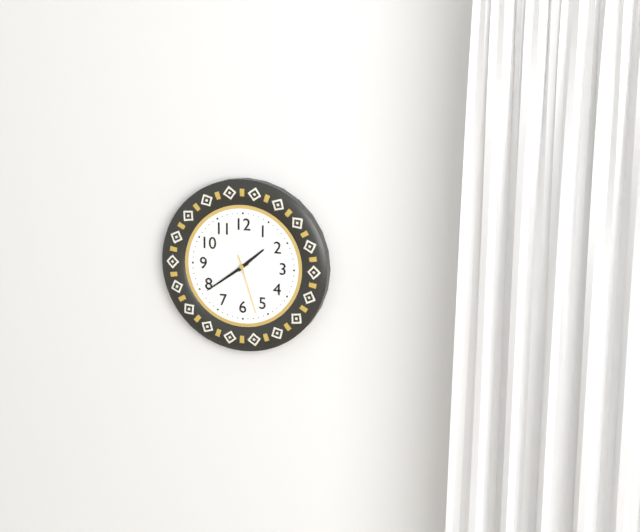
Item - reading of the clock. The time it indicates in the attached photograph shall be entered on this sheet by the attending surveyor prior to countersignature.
1:39:27
